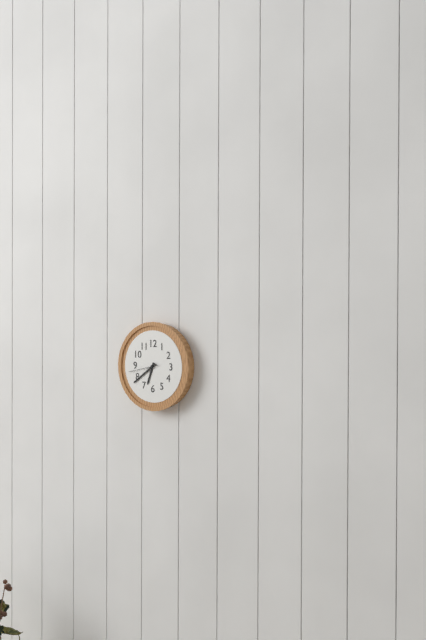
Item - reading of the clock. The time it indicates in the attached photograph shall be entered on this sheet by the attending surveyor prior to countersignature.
6:39
